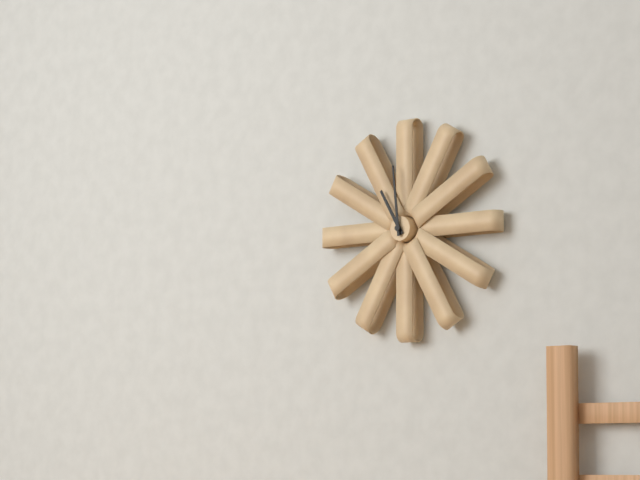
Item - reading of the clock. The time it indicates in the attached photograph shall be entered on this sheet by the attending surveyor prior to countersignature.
10:59
